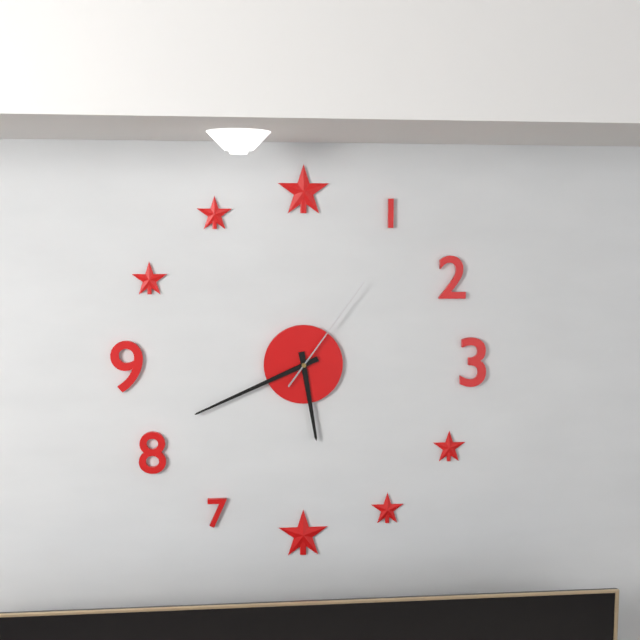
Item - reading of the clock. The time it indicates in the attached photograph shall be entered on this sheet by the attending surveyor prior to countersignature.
5:41:06
